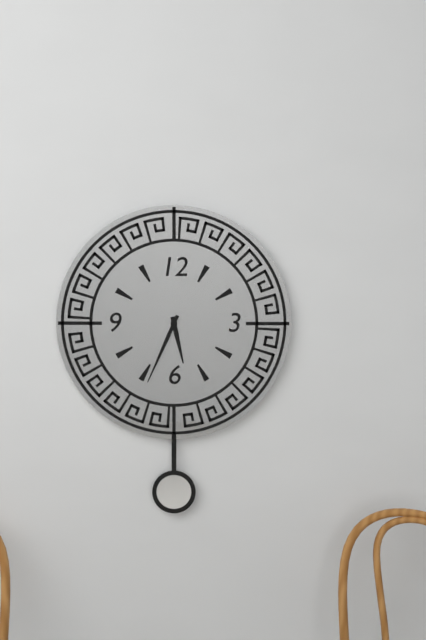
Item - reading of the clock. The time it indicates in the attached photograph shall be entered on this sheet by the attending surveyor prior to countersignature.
5:34
